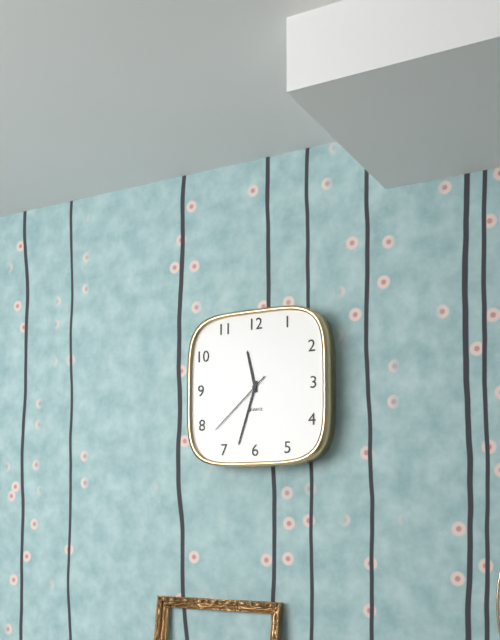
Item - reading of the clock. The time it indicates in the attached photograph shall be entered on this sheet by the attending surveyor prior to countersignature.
11:33:38
